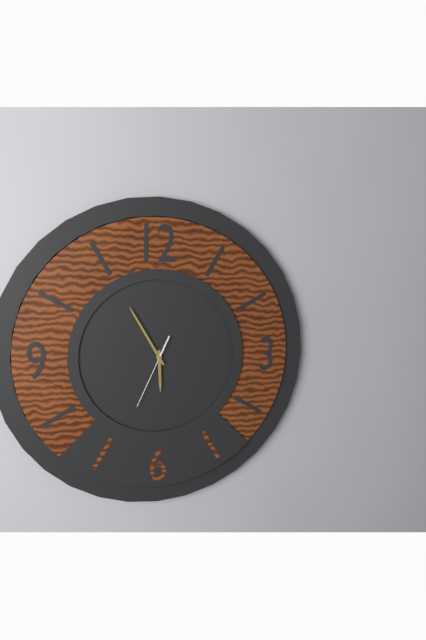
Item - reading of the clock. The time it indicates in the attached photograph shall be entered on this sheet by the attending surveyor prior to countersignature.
5:55:34
